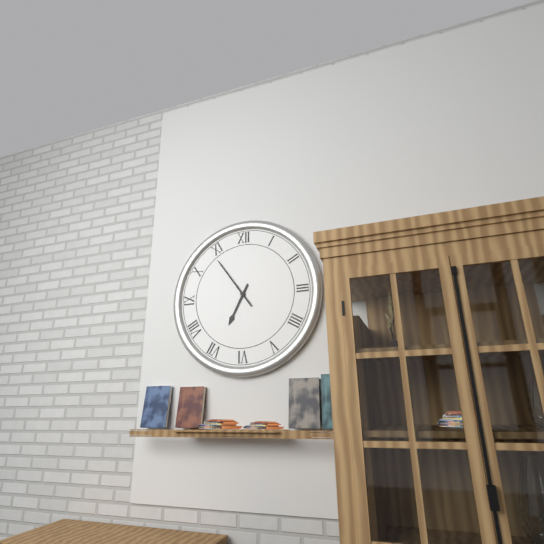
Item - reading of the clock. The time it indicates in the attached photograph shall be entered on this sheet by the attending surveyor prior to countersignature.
6:54
